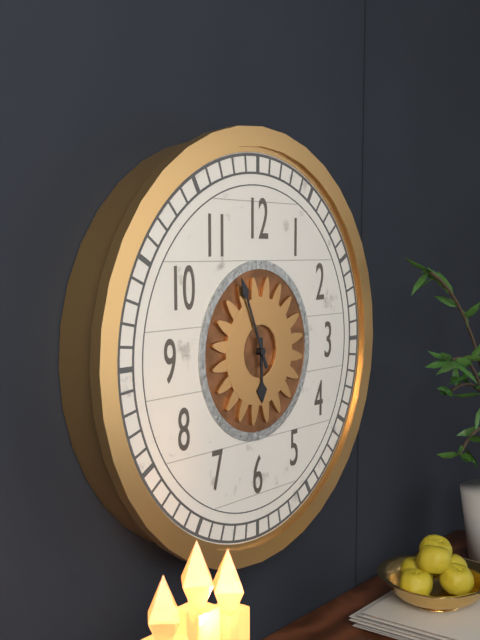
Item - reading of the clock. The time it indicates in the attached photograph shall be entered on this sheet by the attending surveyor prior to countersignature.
5:56
